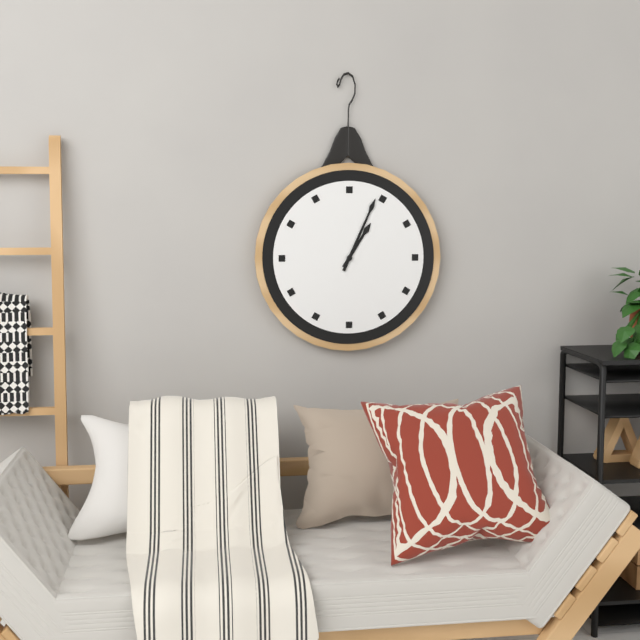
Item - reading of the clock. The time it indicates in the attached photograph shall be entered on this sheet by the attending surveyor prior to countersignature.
1:04
